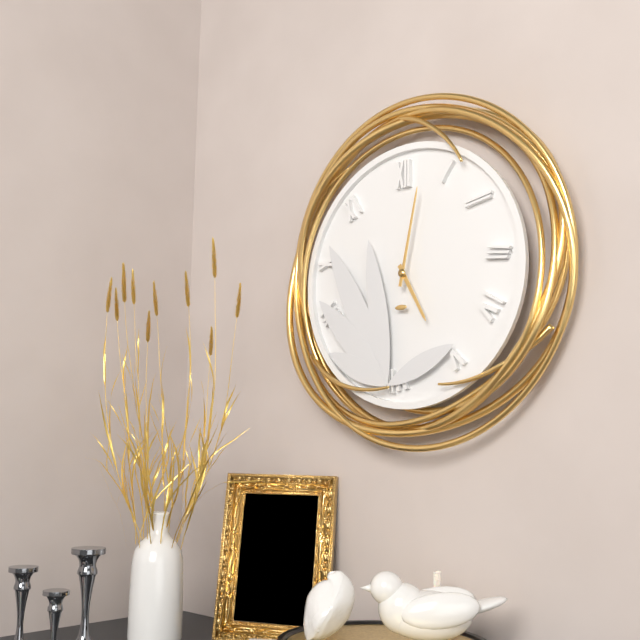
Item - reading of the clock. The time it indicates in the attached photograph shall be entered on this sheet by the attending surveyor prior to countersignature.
5:02
